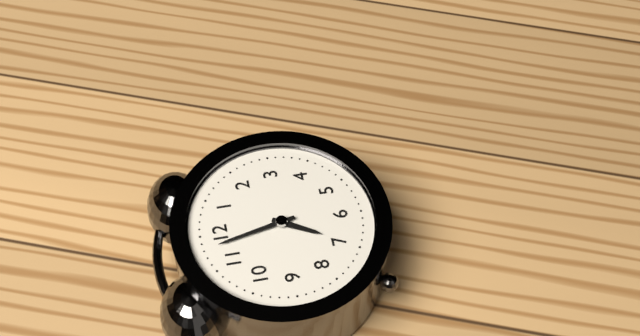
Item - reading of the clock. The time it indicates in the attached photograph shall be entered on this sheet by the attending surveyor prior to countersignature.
6:58
